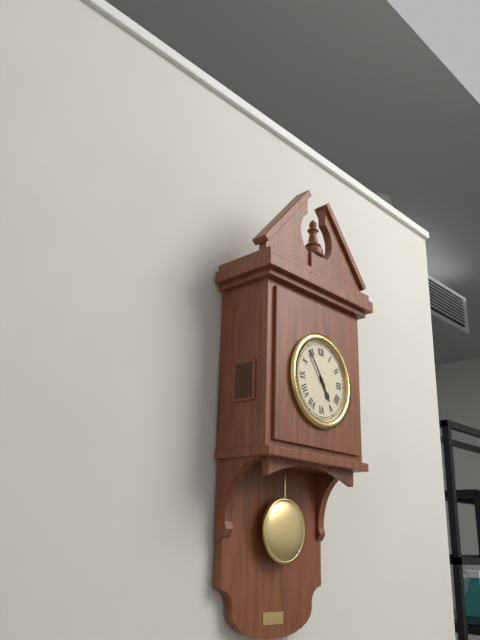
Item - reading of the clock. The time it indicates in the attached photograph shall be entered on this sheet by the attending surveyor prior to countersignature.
4:54
